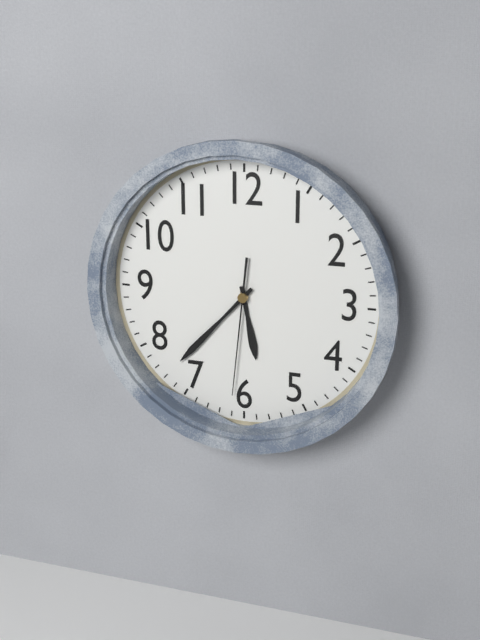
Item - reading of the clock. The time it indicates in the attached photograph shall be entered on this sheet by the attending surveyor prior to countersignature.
5:37:31
